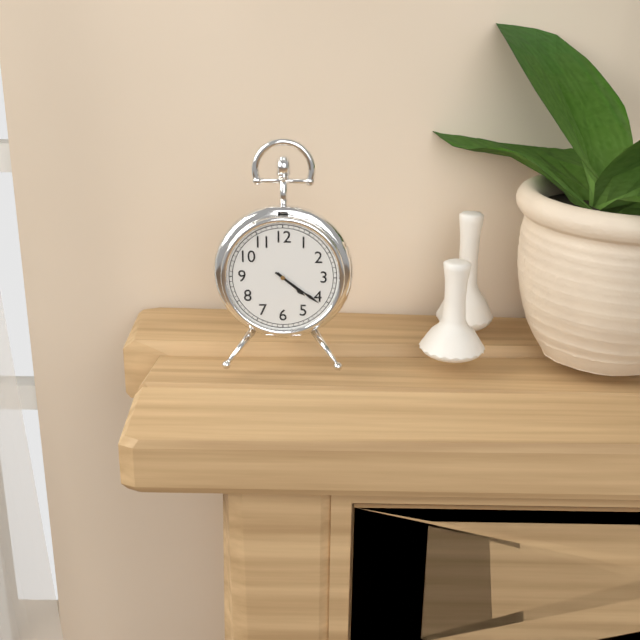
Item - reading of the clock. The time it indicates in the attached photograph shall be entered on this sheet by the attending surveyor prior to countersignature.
4:21
